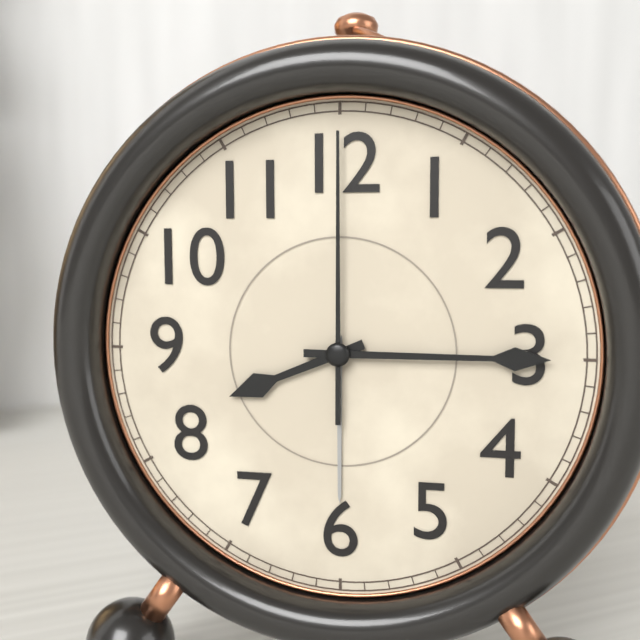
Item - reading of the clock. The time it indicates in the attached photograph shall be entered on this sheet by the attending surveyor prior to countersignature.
8:15:00
